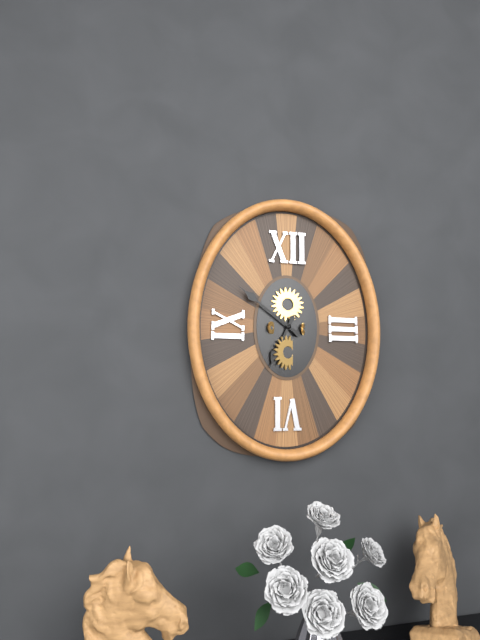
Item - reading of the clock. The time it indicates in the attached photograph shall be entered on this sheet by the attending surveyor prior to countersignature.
6:51
